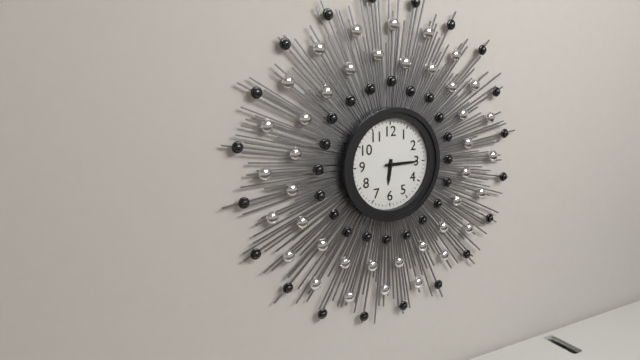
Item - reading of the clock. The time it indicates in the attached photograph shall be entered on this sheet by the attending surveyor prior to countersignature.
6:15
